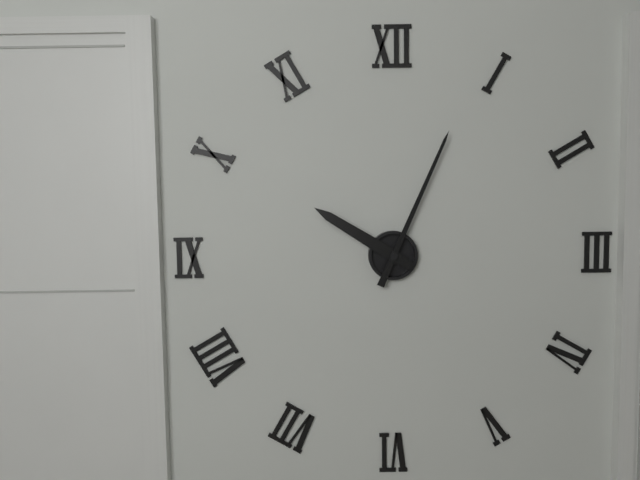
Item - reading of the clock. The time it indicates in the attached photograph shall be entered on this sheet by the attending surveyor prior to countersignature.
10:04
